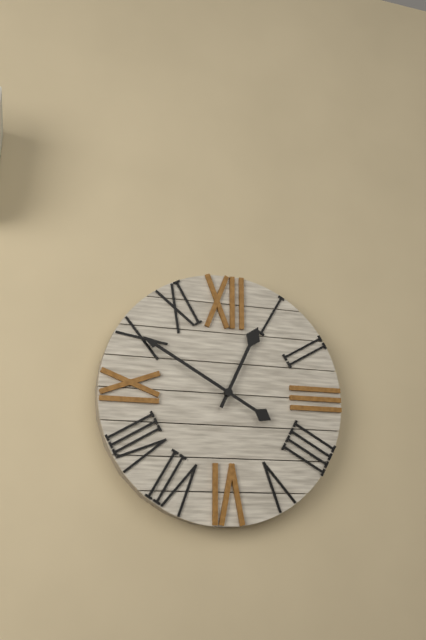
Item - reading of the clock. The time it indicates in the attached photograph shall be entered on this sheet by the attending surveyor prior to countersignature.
12:50
